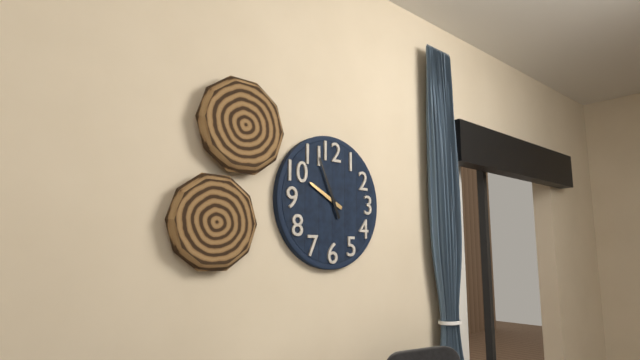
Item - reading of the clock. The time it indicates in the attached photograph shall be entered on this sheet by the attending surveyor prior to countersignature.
9:56
